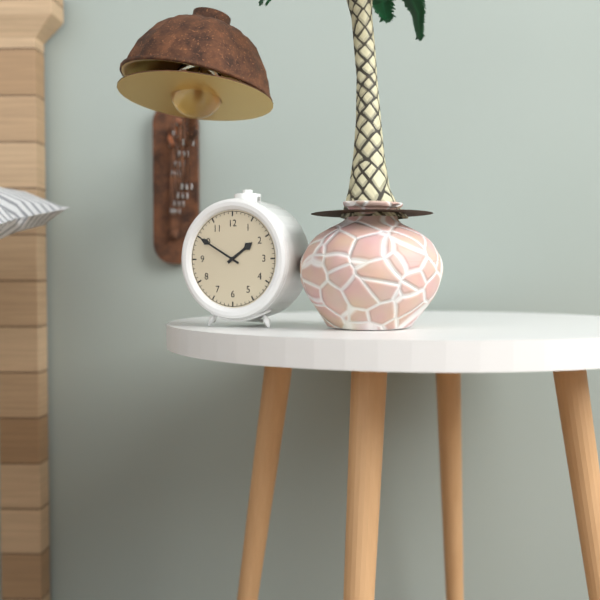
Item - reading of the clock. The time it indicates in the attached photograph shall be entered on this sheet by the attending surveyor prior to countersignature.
1:50
